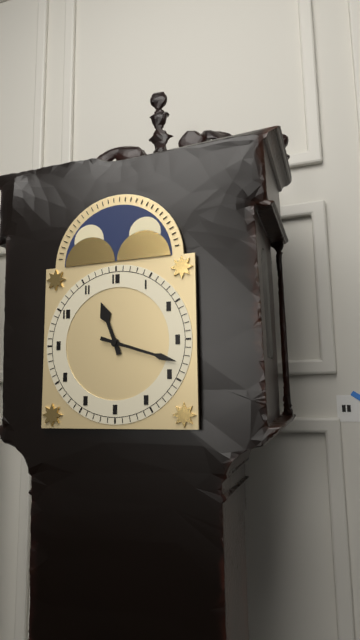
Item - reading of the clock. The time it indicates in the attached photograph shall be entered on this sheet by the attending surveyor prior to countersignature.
11:18
